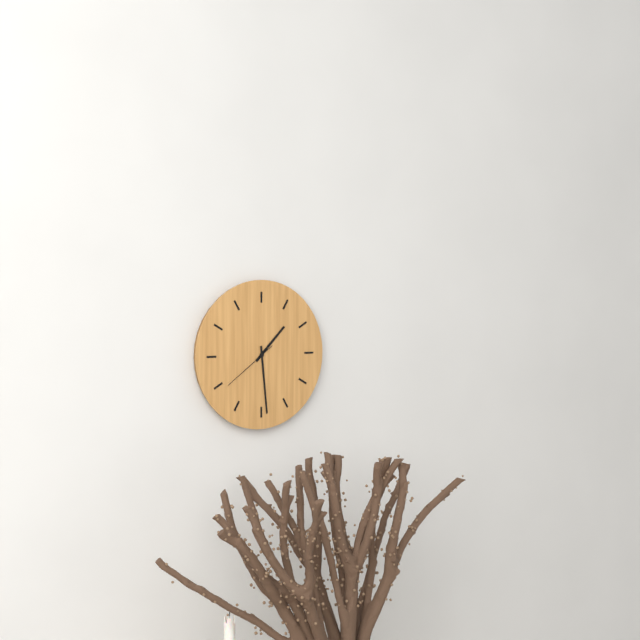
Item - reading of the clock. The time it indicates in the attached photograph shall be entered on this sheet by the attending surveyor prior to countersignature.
1:29:39
